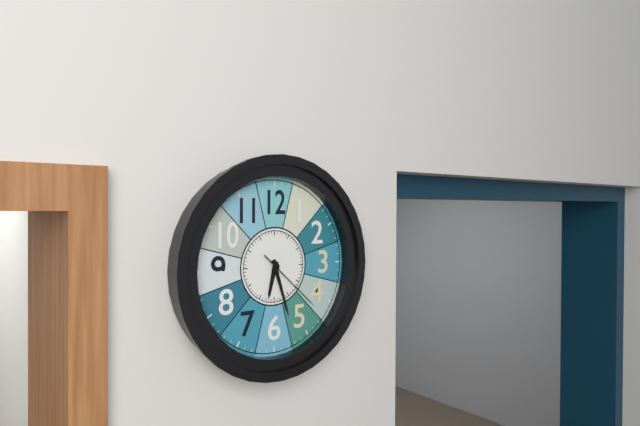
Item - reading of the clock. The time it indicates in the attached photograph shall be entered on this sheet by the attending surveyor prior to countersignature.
6:27:22
